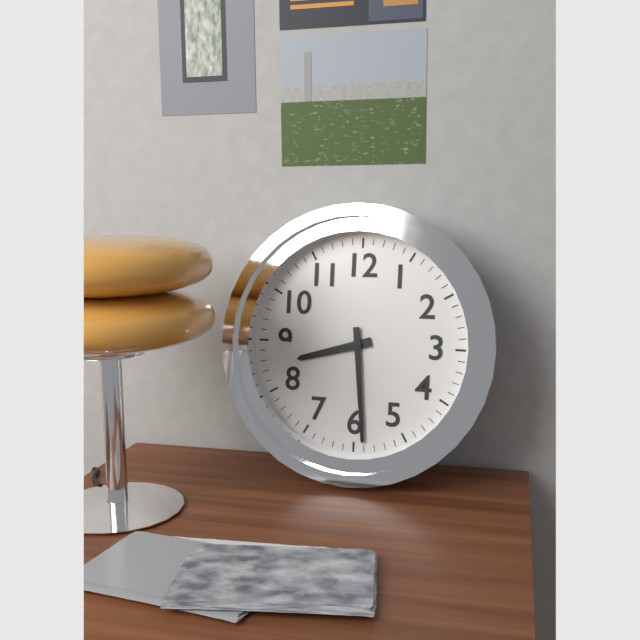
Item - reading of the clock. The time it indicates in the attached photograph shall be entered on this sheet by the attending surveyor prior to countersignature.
8:29
